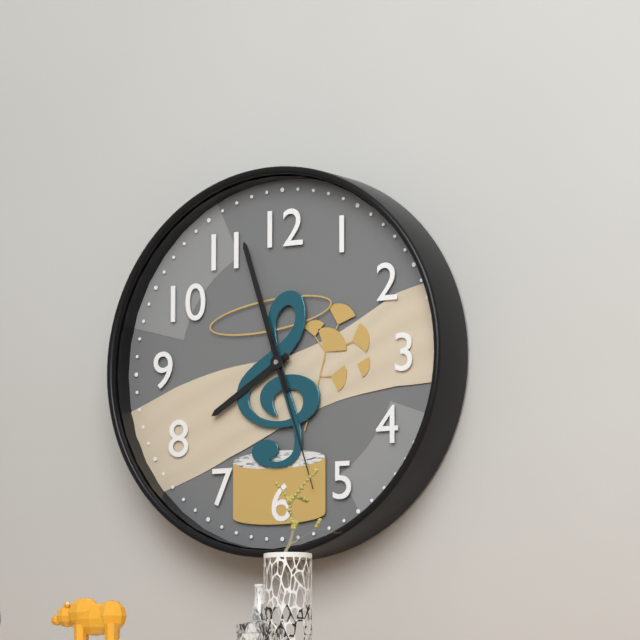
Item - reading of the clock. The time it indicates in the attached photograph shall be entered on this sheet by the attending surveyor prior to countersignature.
7:57:27
